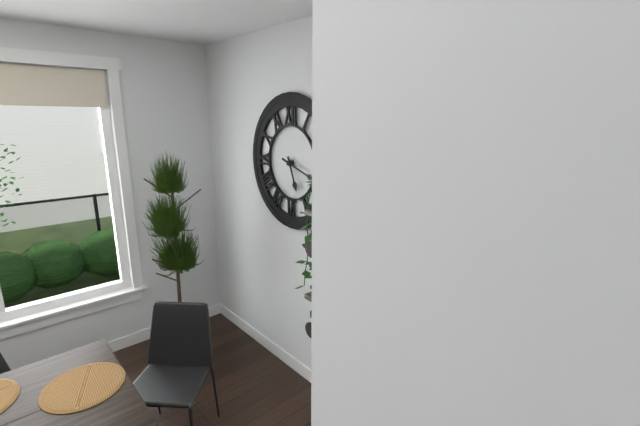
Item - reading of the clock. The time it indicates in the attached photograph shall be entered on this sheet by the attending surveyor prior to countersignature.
5:18
